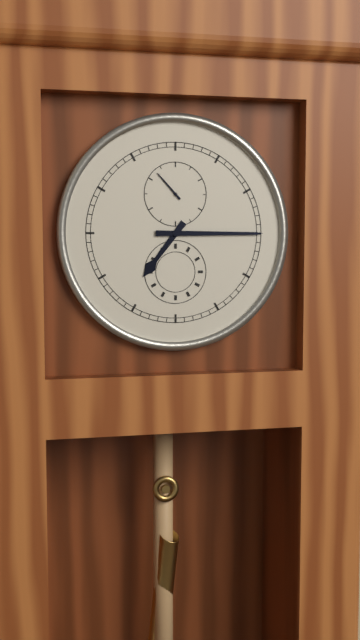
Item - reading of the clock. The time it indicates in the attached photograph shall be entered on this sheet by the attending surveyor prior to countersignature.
7:15
